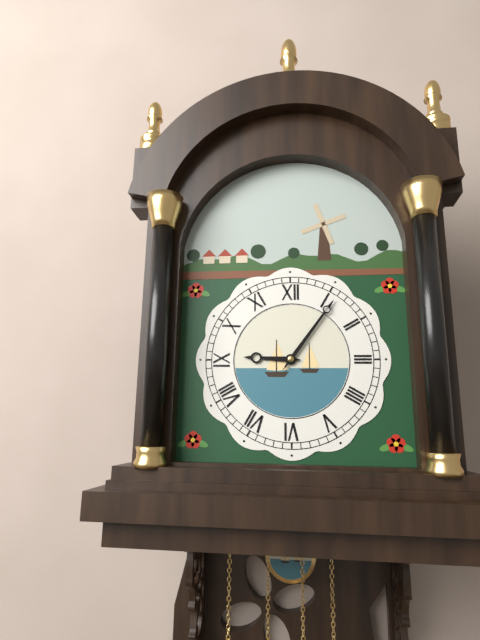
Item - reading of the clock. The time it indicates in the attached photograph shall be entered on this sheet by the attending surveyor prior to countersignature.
9:06
